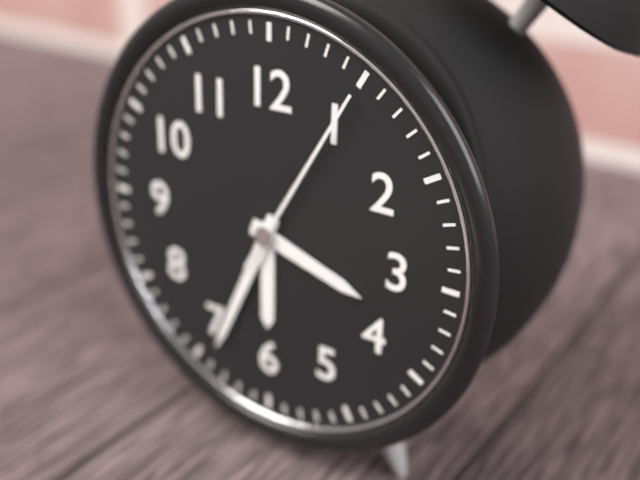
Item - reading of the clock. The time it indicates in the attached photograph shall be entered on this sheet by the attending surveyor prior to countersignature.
3:34:05
